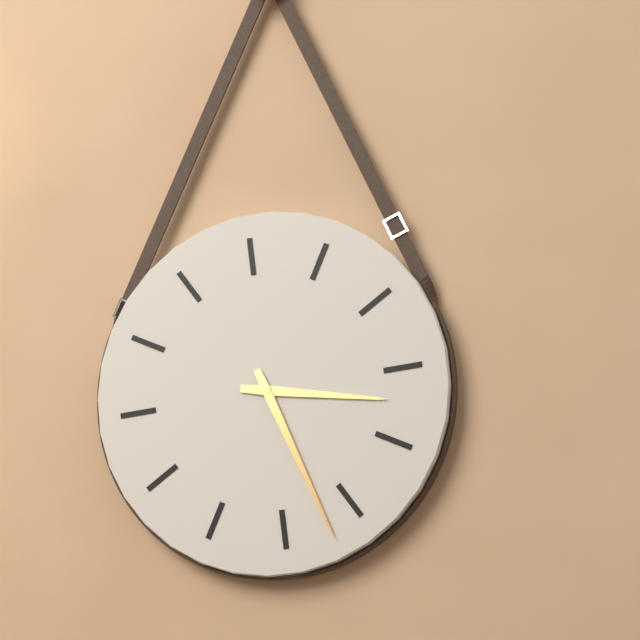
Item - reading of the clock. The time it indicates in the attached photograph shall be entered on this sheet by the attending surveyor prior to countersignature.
3:27
